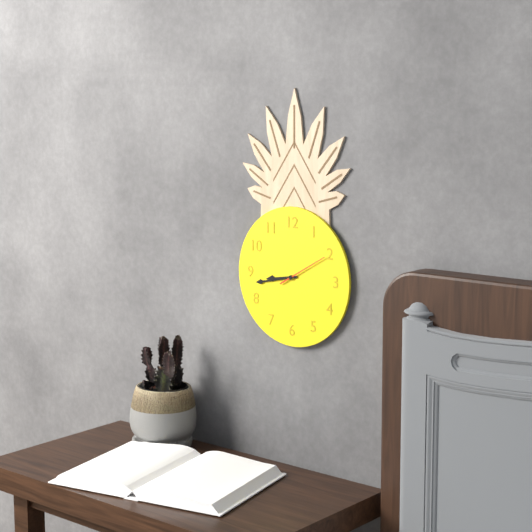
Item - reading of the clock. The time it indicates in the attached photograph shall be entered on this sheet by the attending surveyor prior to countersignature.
8:43
